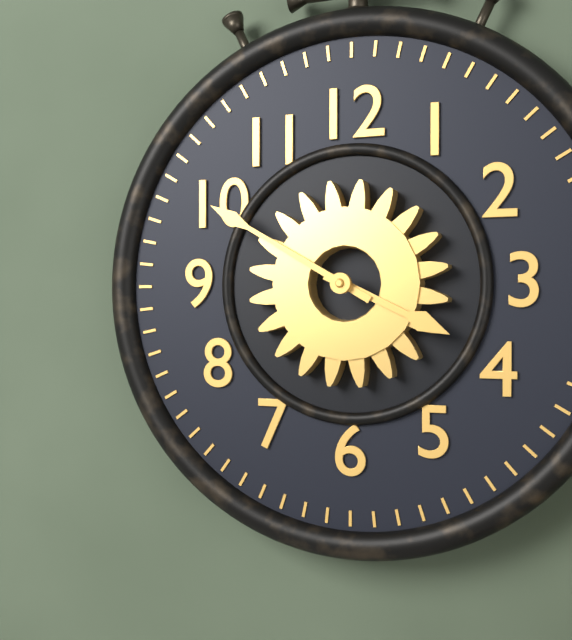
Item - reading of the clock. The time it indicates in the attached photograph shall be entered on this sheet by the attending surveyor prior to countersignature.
3:50
